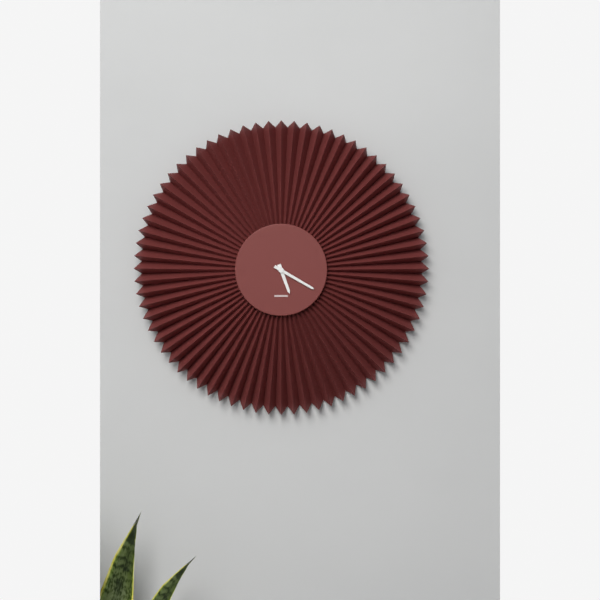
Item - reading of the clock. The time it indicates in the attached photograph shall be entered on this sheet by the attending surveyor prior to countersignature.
5:20
